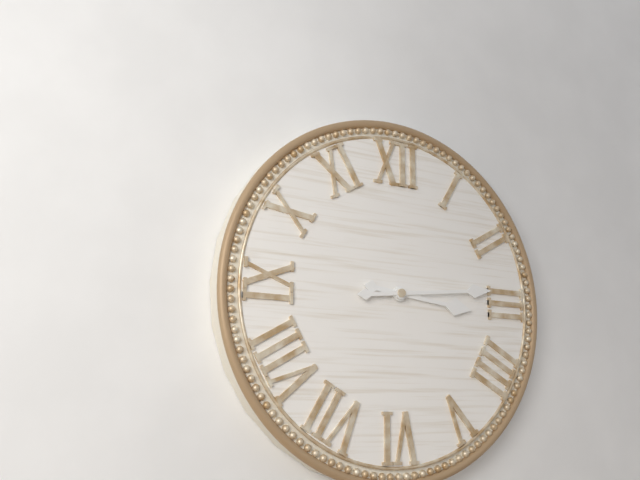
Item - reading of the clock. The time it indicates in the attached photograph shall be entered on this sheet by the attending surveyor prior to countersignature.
3:14
